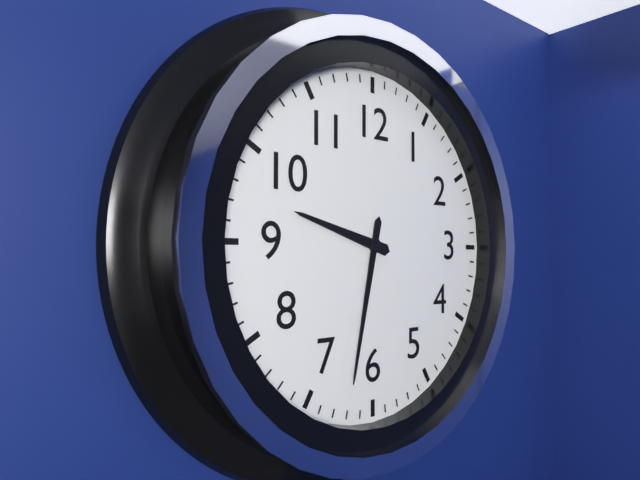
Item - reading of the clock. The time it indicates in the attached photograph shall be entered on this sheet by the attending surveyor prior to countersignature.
9:32
